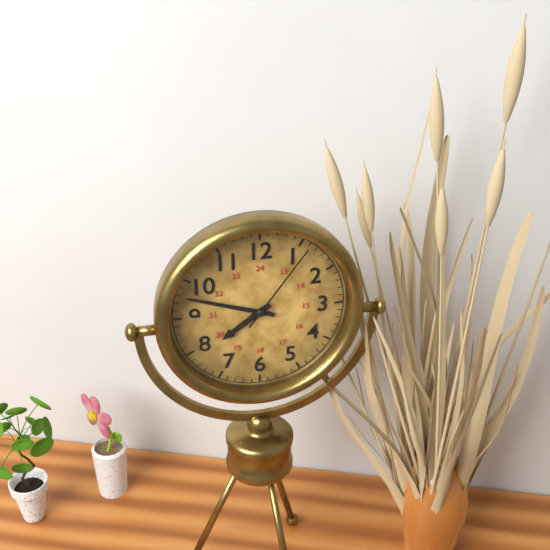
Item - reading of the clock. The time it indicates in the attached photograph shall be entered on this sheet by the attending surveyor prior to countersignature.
7:48:06
